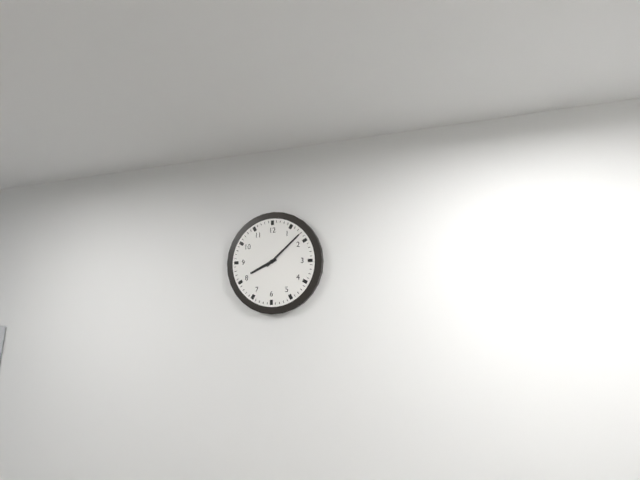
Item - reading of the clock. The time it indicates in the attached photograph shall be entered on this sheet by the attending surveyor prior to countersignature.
8:08
